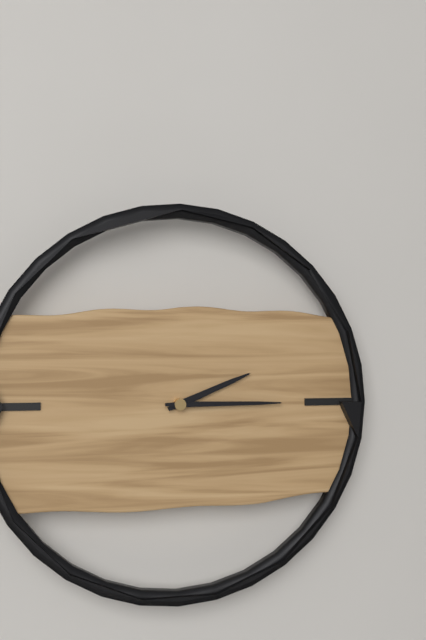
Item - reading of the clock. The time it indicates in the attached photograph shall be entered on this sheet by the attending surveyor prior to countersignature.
2:15
